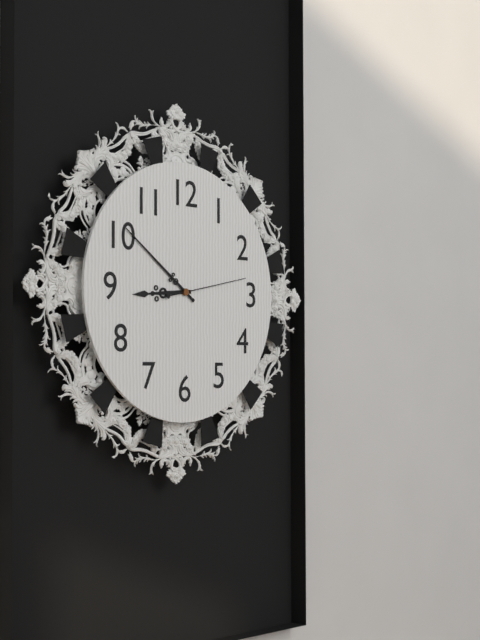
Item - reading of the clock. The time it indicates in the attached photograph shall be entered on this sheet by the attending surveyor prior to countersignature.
8:51:13
